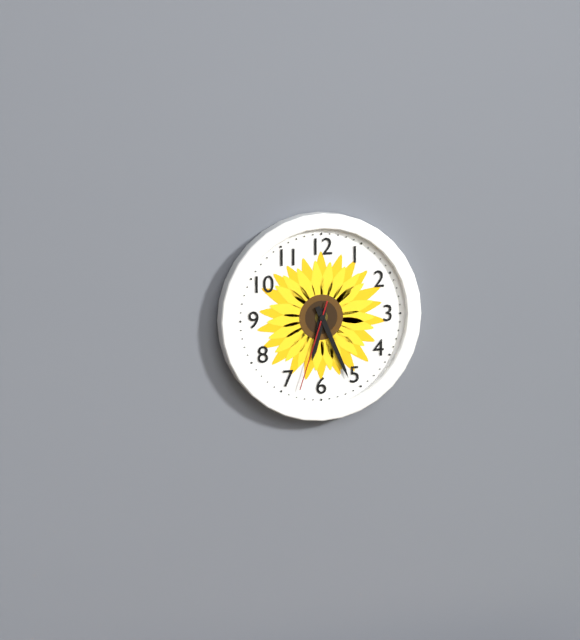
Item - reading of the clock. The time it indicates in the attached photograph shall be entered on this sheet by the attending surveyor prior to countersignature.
6:26:33
